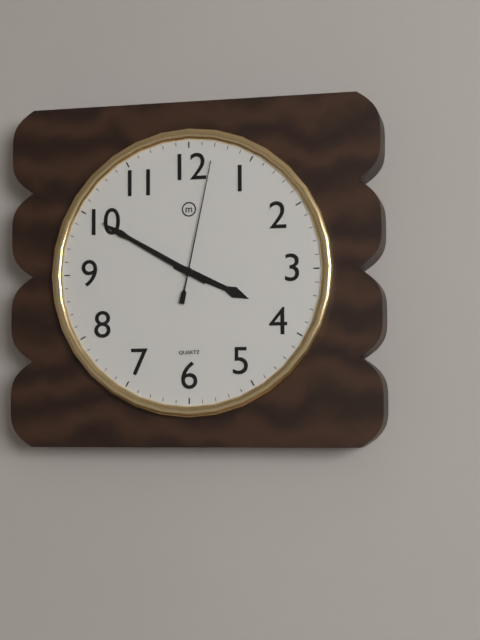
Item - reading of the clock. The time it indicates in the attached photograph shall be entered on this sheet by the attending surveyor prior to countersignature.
3:50:02
